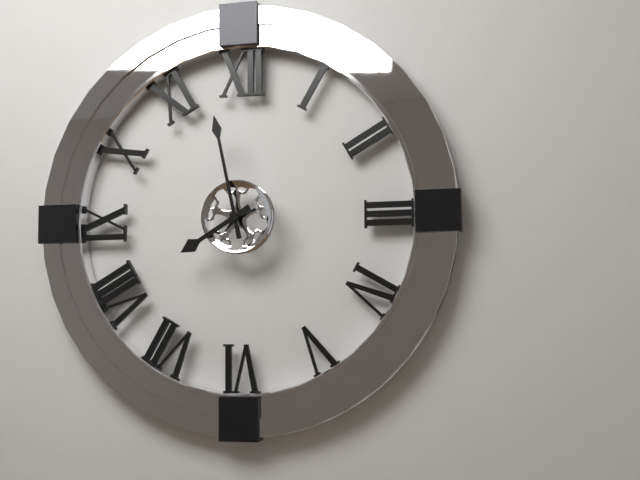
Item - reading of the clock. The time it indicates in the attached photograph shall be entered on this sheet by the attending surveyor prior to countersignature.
7:58
